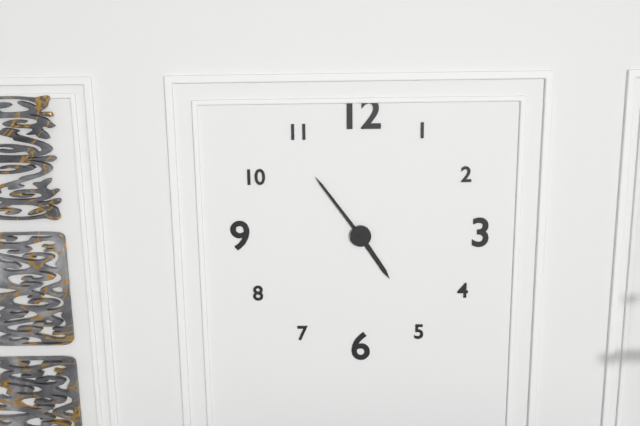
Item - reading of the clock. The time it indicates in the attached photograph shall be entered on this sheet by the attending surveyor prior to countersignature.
4:54
